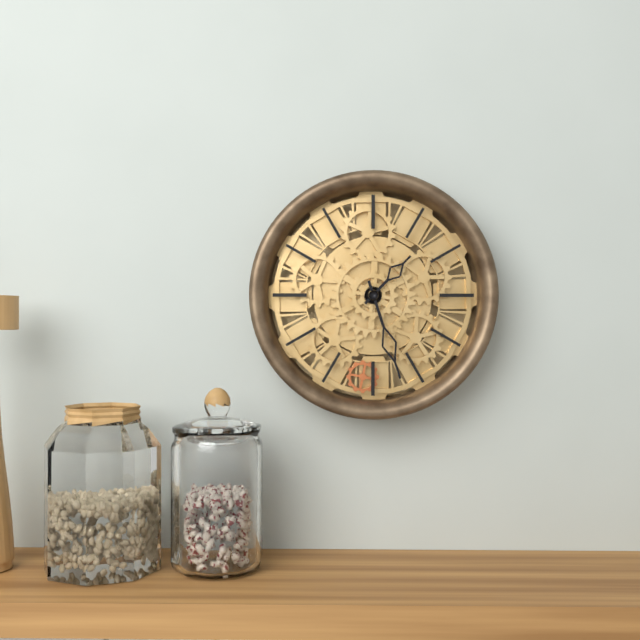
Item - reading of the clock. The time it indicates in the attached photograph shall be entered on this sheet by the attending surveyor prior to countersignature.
1:27
